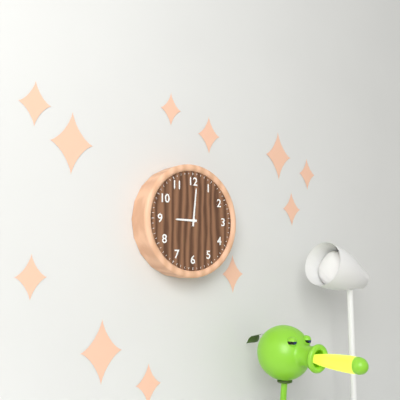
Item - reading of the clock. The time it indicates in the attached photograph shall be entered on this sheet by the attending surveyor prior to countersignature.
9:01
